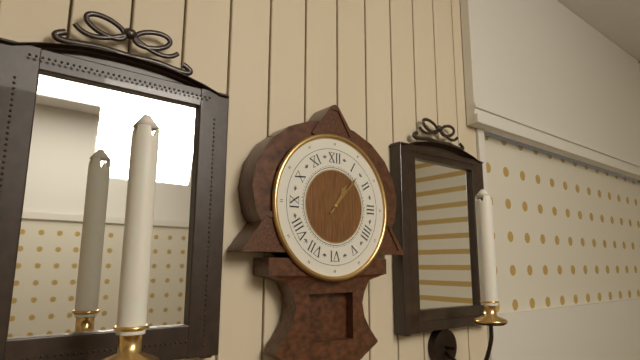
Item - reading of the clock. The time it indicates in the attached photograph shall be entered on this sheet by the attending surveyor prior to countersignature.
1:07
